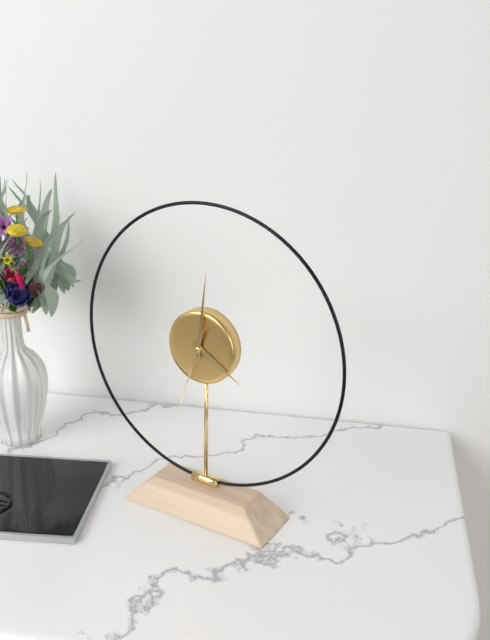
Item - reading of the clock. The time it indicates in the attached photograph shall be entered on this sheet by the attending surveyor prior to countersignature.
4:01:33
